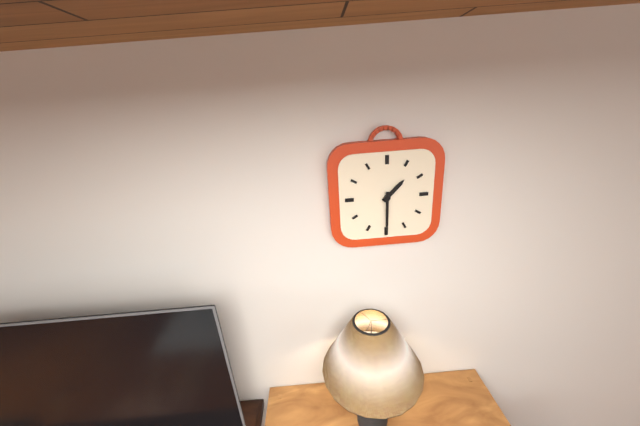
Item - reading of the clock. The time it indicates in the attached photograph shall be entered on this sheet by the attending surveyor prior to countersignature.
1:30
